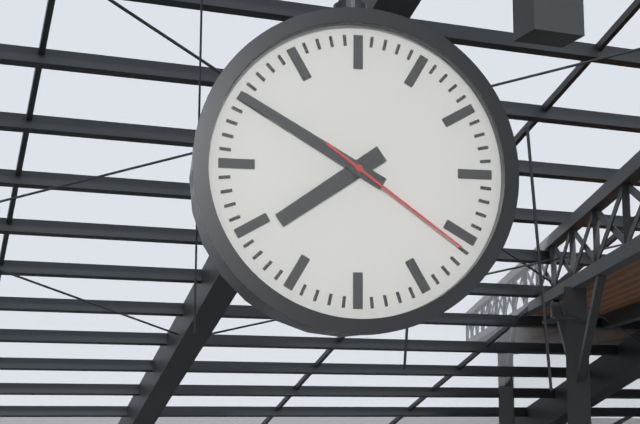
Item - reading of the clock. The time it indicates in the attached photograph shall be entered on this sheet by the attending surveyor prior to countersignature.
7:50:21
